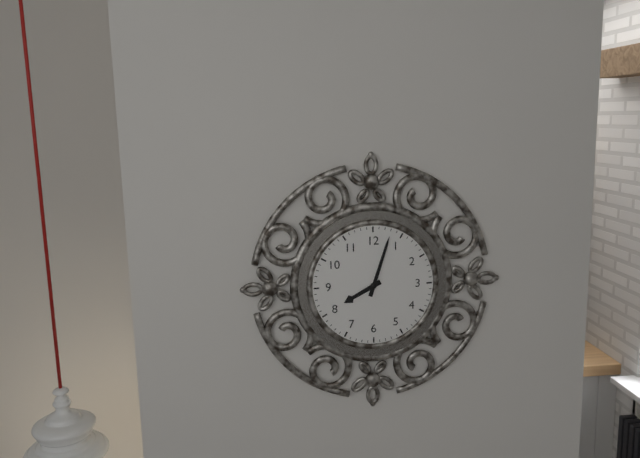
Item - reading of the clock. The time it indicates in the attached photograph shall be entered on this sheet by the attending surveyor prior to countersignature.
8:03
